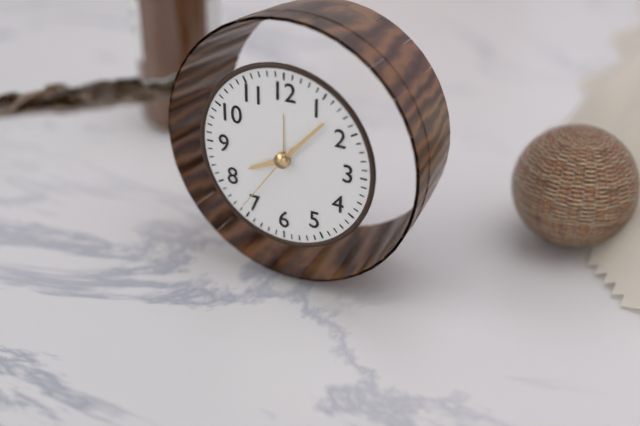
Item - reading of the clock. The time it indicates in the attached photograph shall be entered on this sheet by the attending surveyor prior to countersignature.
8:07:36
